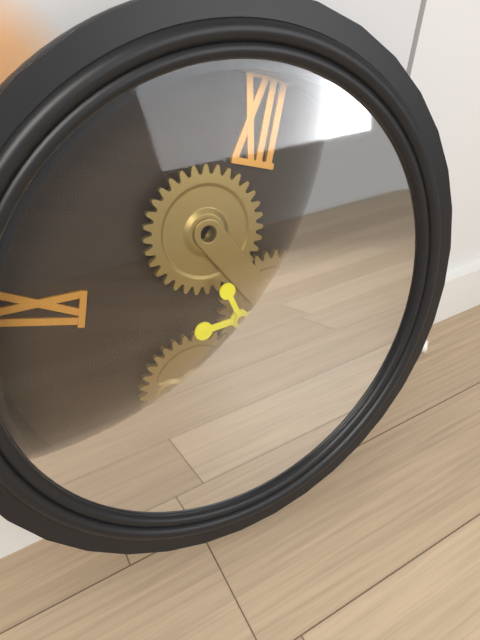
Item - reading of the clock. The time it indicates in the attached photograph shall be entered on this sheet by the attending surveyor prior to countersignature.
2:24
